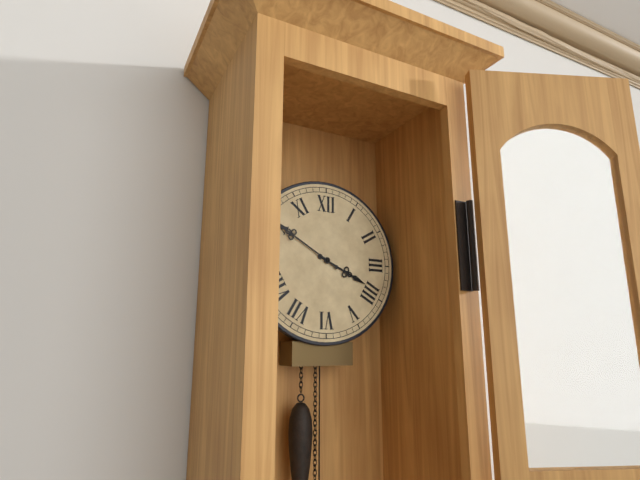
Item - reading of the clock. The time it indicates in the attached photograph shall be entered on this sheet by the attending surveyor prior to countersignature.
3:50
